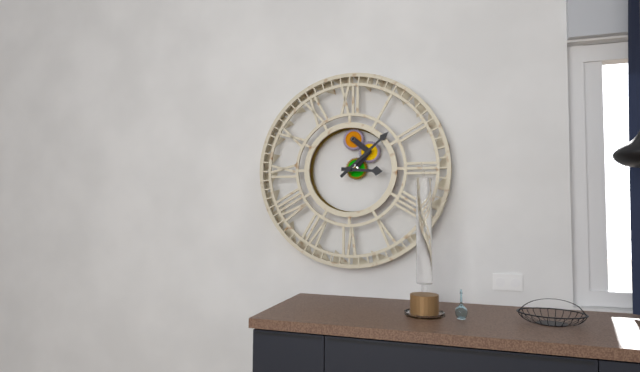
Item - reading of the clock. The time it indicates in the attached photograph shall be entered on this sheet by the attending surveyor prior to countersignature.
3:08
